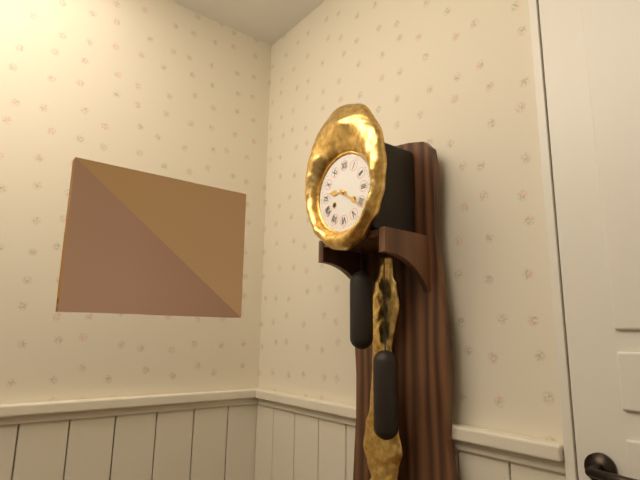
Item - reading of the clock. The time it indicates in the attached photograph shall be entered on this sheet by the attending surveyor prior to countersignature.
9:21
